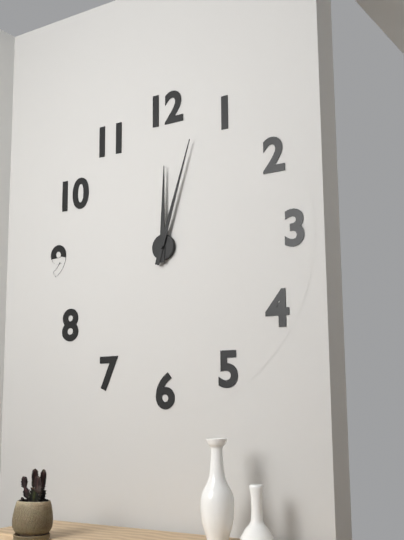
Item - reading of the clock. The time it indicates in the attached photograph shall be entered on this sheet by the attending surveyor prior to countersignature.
12:03
